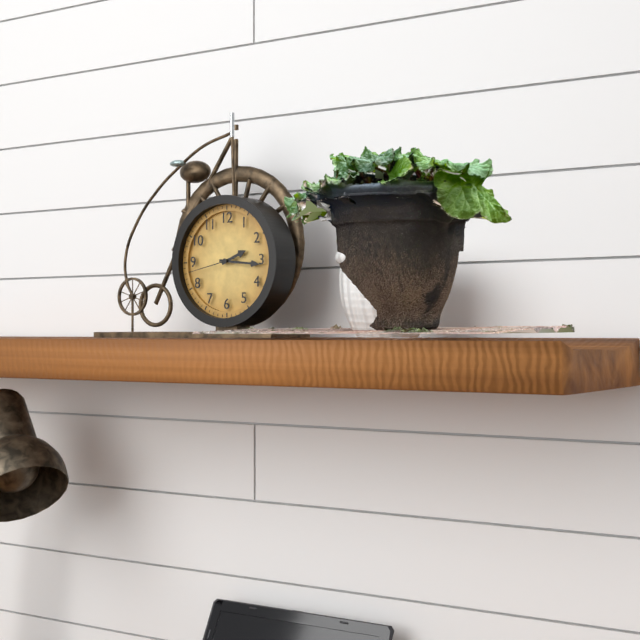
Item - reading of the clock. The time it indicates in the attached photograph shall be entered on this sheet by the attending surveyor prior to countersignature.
2:16
